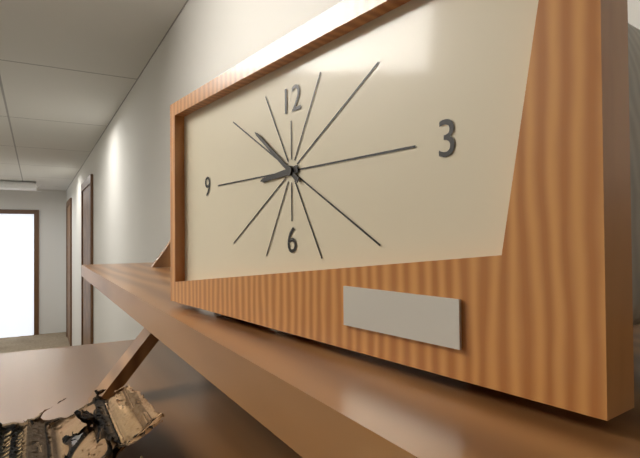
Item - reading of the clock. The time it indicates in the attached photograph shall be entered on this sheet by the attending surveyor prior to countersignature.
8:51
